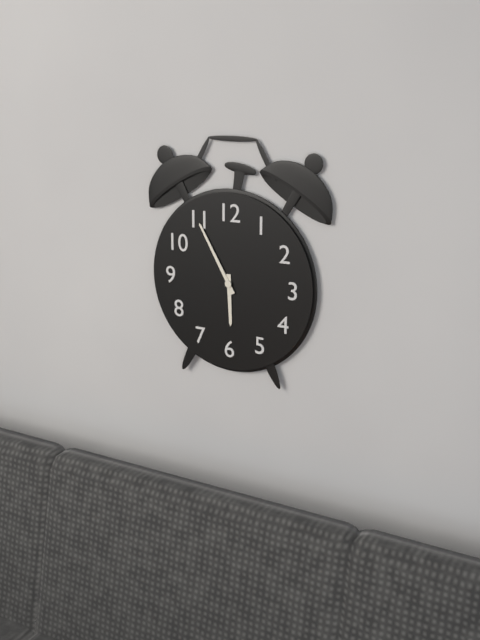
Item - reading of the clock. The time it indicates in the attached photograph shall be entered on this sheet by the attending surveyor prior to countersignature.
5:55
